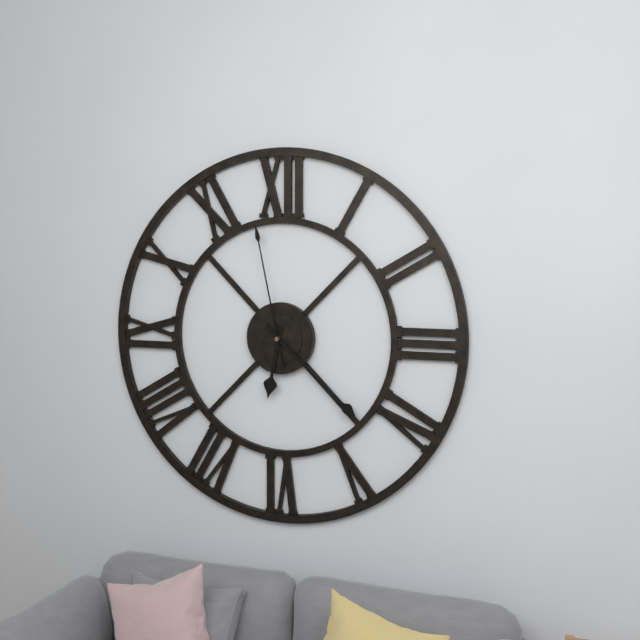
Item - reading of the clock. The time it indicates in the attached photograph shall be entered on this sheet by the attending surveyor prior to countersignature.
6:22:58
